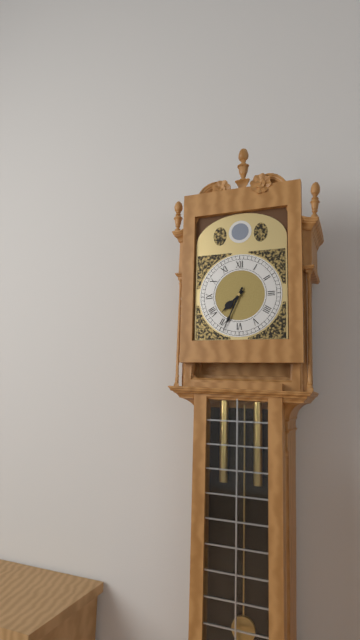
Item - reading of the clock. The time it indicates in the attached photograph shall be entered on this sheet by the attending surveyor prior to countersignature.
7:34
